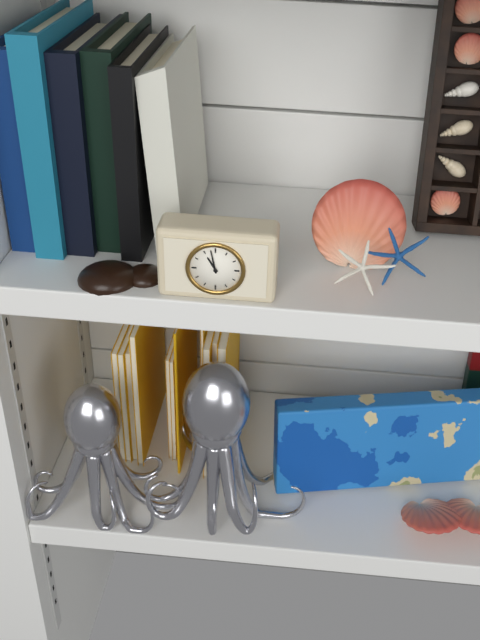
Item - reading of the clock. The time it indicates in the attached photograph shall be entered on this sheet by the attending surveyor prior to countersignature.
10:58
